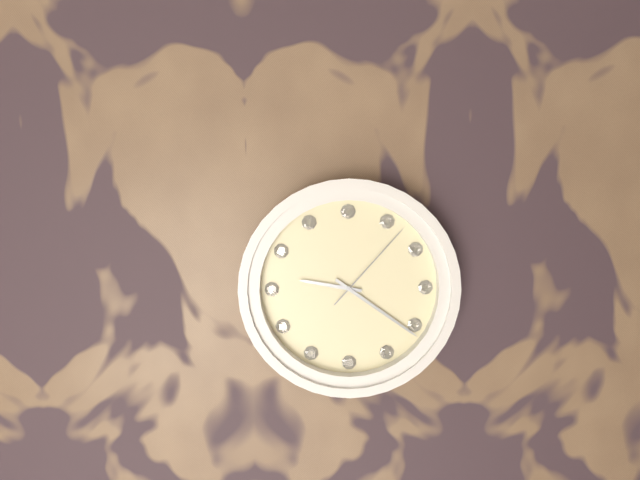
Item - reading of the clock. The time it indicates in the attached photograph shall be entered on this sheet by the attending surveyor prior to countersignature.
9:21:07
